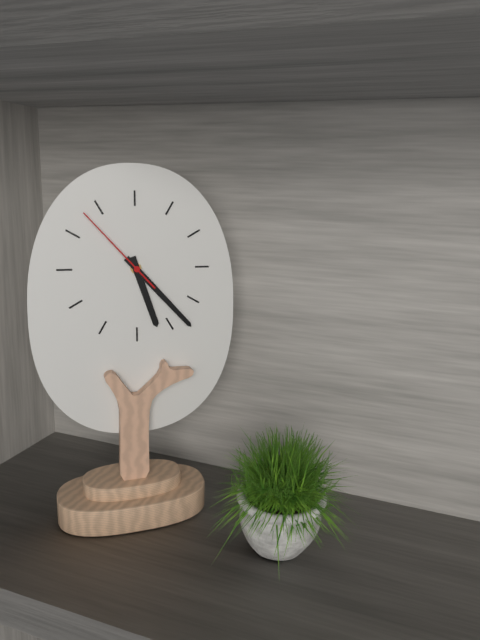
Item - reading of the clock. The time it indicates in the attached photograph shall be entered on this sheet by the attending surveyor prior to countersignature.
5:23:53
